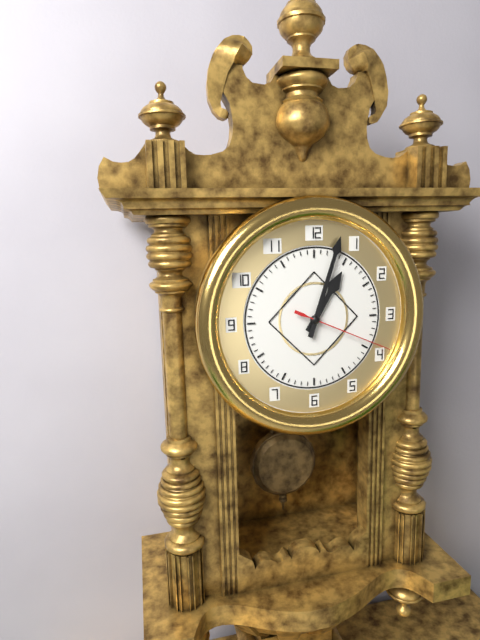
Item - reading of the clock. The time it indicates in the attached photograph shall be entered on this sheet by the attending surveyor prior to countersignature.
1:03:19
